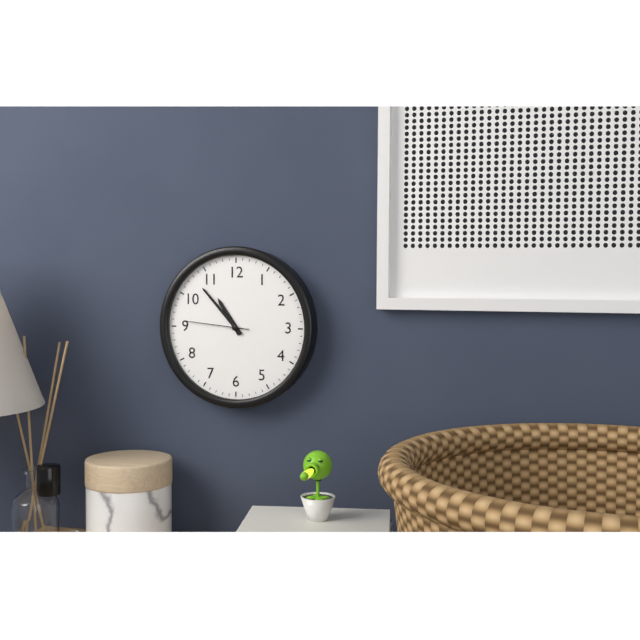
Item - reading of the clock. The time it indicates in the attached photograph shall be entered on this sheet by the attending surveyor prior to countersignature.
10:53:46
